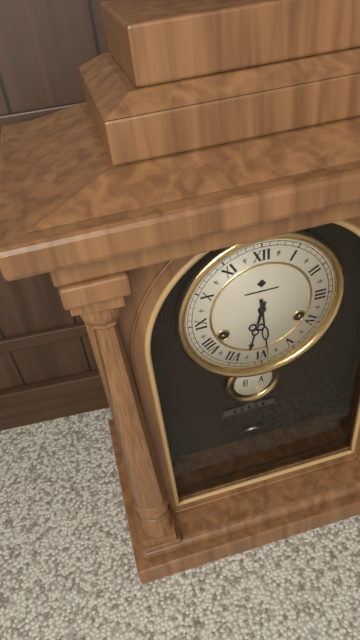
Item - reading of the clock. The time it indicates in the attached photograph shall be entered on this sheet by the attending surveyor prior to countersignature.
6:29
